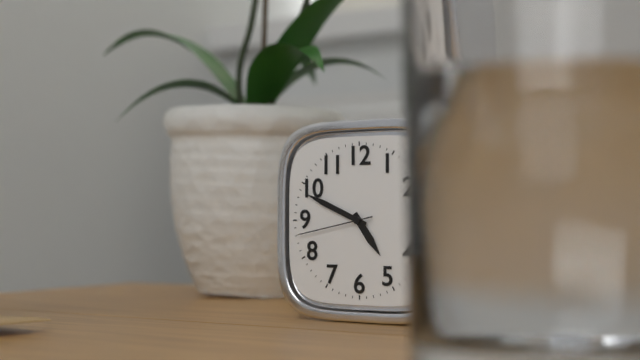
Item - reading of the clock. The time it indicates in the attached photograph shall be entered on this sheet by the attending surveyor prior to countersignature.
4:49:43
